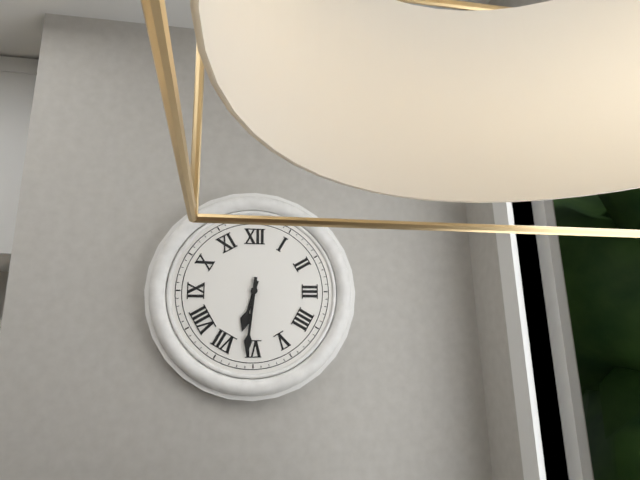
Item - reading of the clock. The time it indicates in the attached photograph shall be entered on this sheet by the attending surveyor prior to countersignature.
6:31
